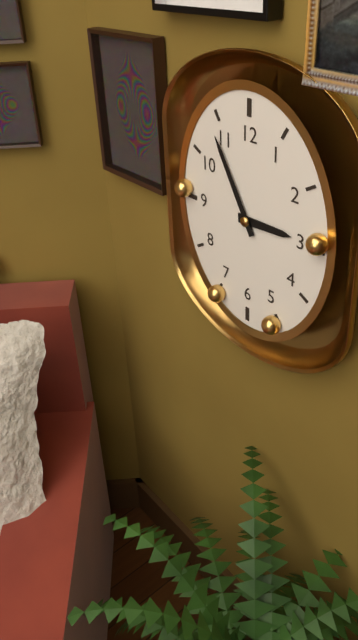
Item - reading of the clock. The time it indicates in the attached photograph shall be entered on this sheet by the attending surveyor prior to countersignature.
2:55
